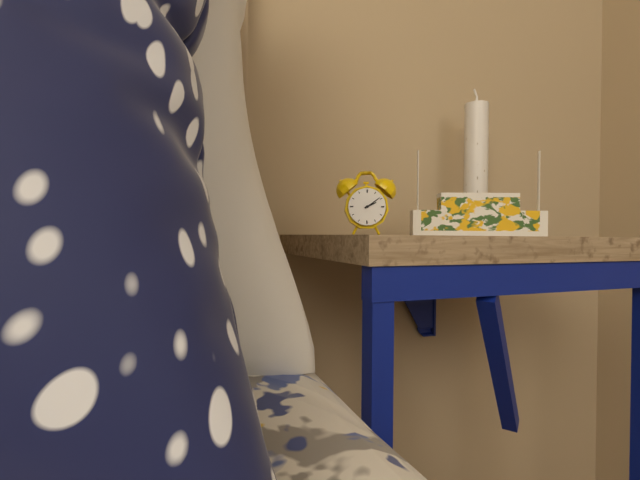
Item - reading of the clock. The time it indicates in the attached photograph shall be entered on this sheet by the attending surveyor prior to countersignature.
2:09
